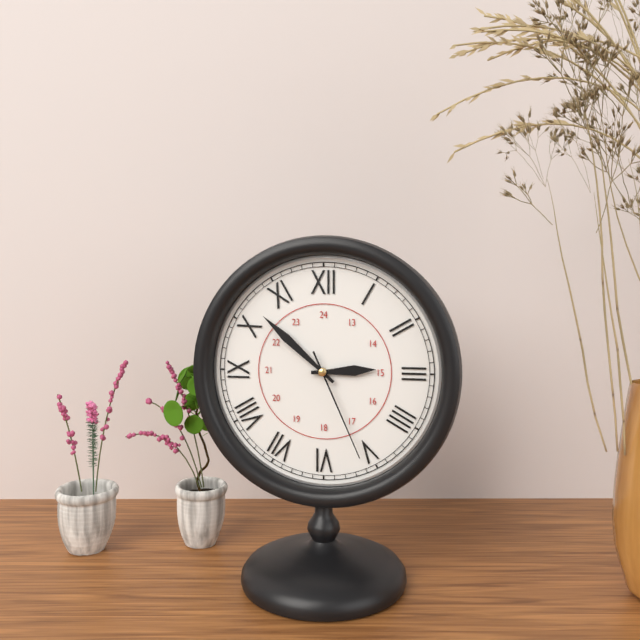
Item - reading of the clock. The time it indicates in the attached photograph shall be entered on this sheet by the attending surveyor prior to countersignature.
2:52:26
